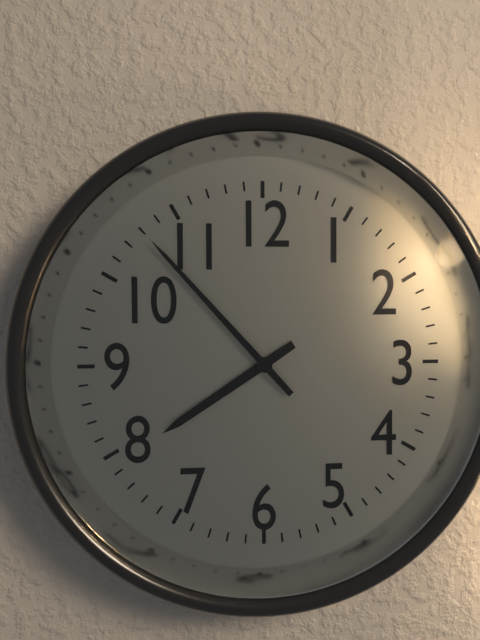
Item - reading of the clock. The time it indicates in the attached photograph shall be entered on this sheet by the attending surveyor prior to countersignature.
7:53
